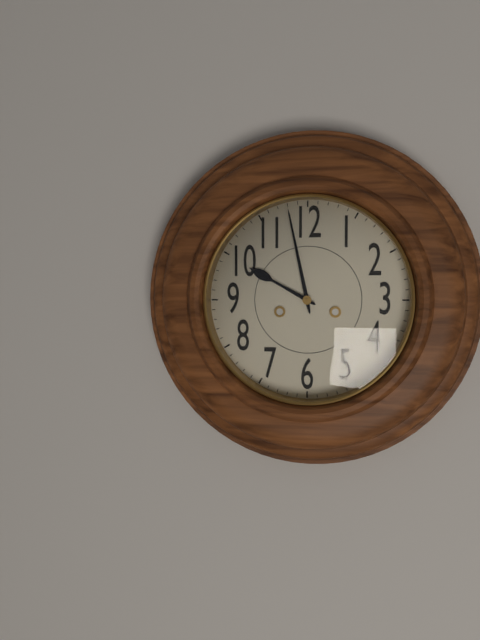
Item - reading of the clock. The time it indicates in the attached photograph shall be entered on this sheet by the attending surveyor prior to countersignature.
9:58
